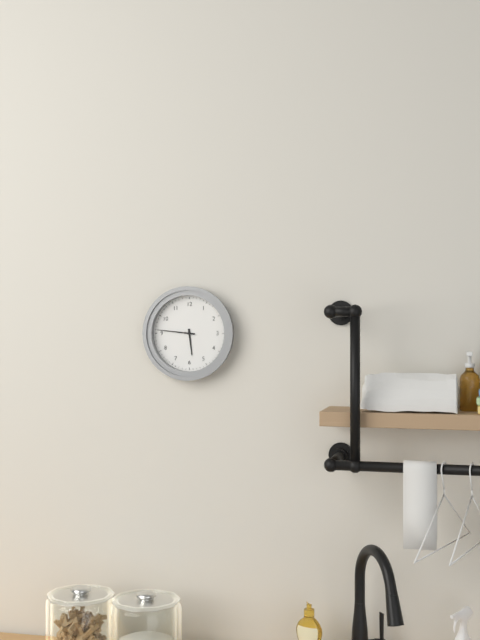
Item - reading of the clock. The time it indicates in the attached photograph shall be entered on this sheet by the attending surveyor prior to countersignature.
5:46
